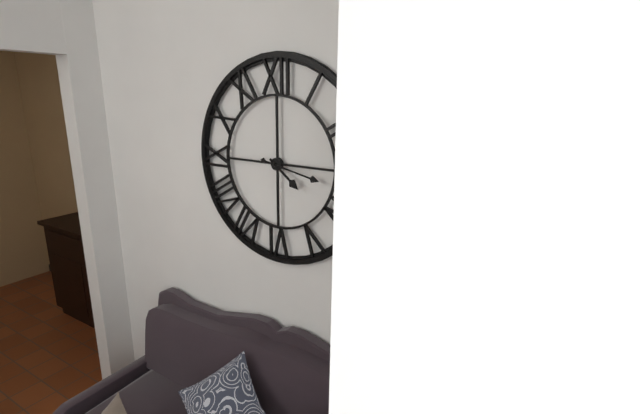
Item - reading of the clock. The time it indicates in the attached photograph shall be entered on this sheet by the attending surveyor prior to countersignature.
4:17
